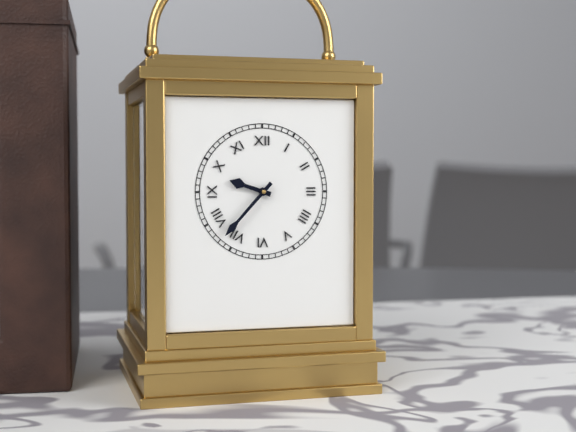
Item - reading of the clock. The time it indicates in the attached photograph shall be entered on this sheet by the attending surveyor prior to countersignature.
9:37
